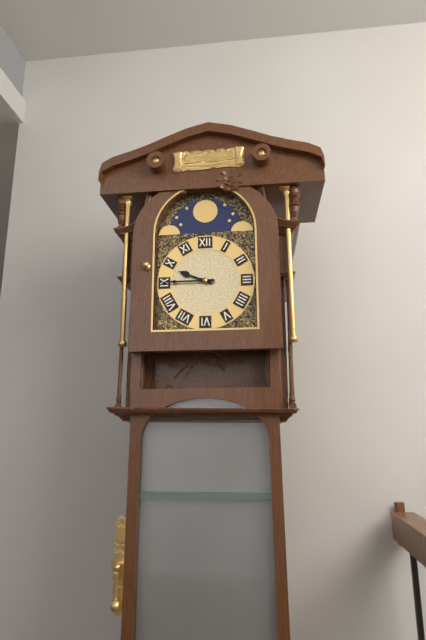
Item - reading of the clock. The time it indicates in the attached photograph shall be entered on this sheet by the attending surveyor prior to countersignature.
9:45
